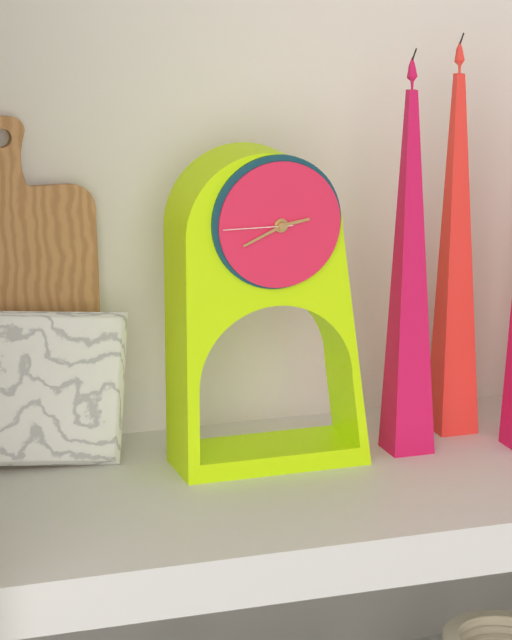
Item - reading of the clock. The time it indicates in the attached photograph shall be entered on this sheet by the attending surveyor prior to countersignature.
2:41:45
